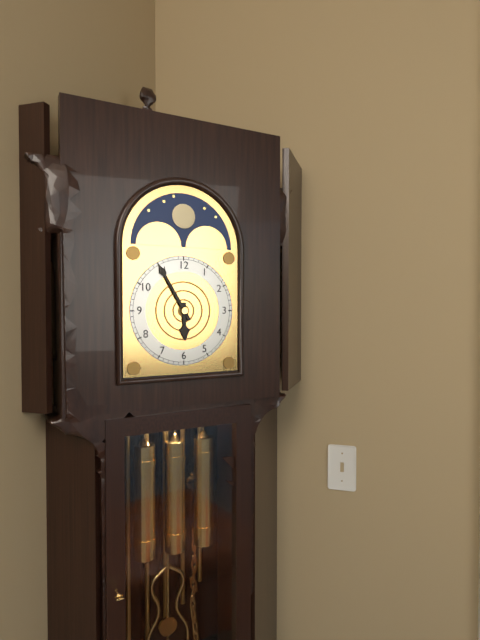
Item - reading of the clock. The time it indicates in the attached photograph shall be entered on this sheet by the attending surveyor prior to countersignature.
5:55
